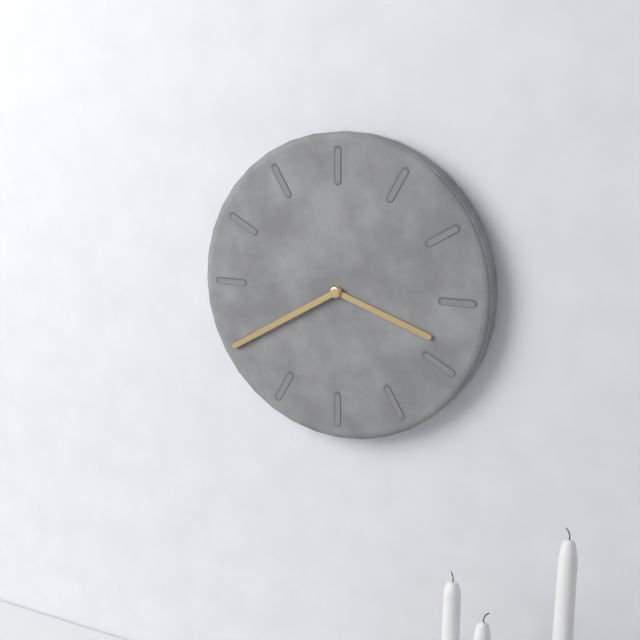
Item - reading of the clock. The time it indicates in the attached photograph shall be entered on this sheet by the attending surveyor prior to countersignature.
3:40
